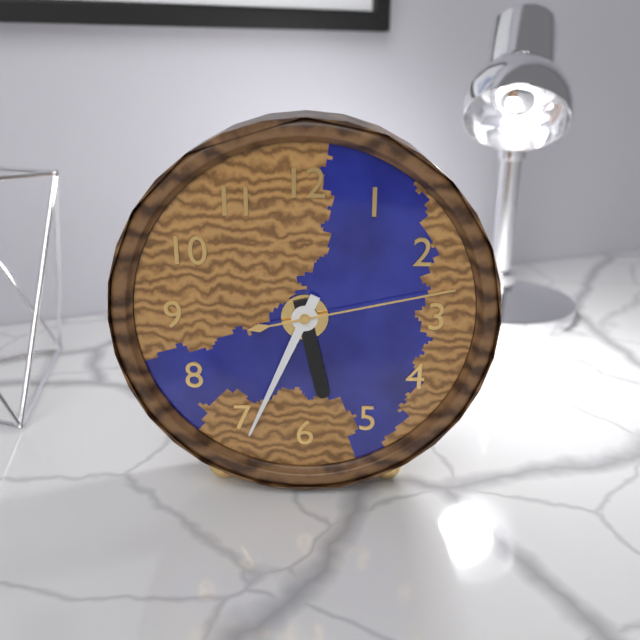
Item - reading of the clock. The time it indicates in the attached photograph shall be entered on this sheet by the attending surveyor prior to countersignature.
5:34:13
